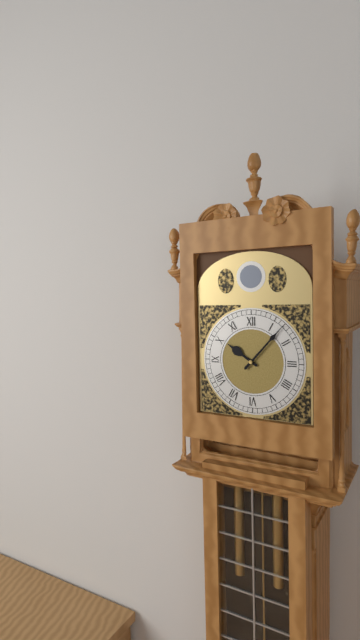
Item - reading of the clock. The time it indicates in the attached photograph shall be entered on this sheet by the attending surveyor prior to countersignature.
10:07
